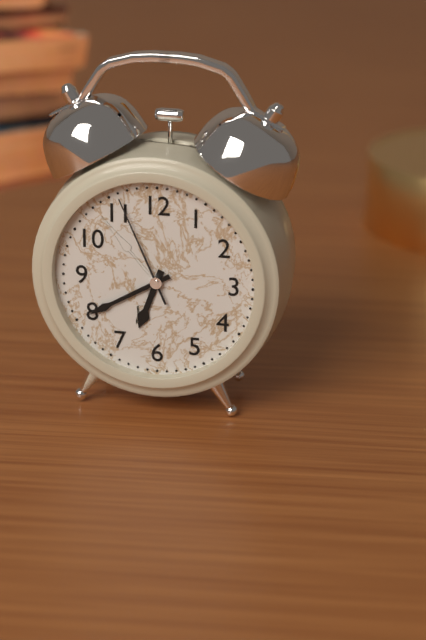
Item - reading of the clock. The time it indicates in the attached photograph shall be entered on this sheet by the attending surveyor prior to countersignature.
6:40:56
